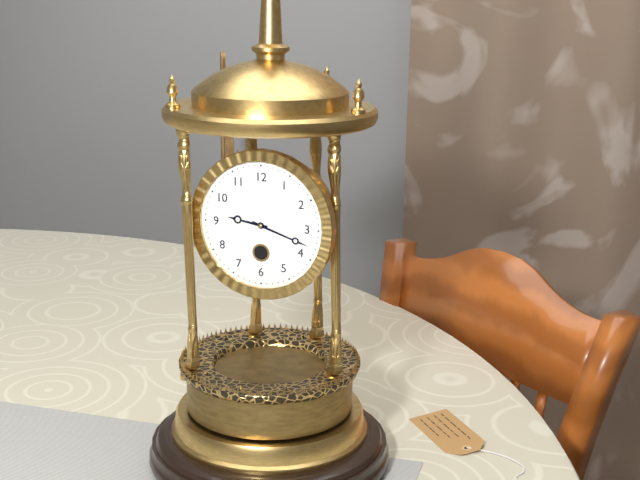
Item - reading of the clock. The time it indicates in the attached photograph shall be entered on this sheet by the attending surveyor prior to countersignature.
9:18
